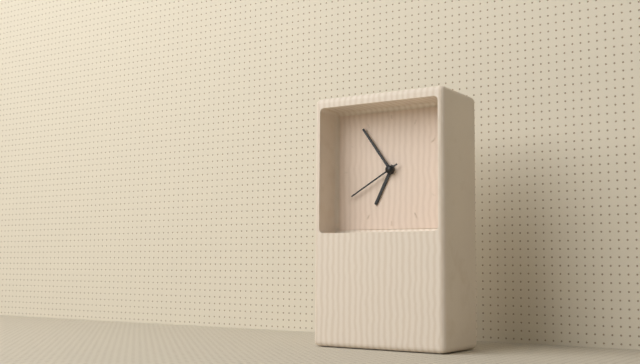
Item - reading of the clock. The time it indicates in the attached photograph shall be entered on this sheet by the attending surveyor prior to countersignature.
6:54:40
